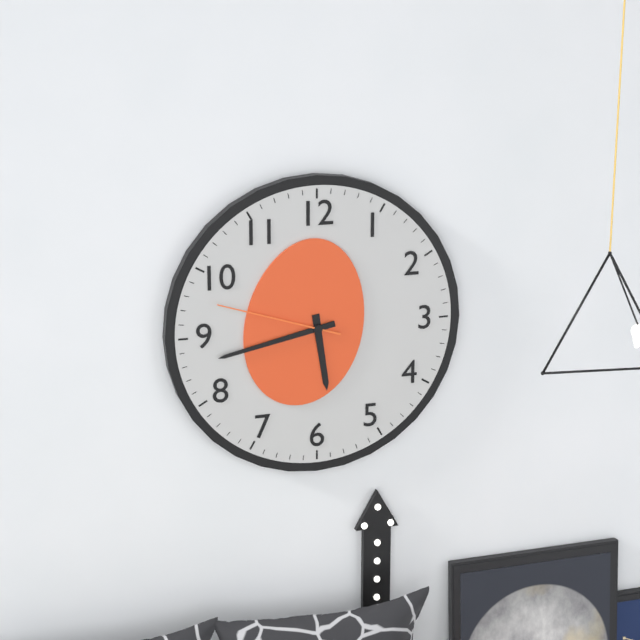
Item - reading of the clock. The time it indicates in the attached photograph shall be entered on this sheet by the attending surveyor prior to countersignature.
5:43:48
